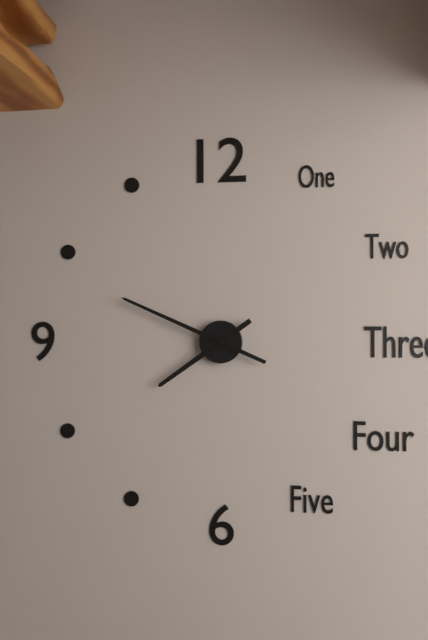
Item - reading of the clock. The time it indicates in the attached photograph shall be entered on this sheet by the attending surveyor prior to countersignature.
7:49
